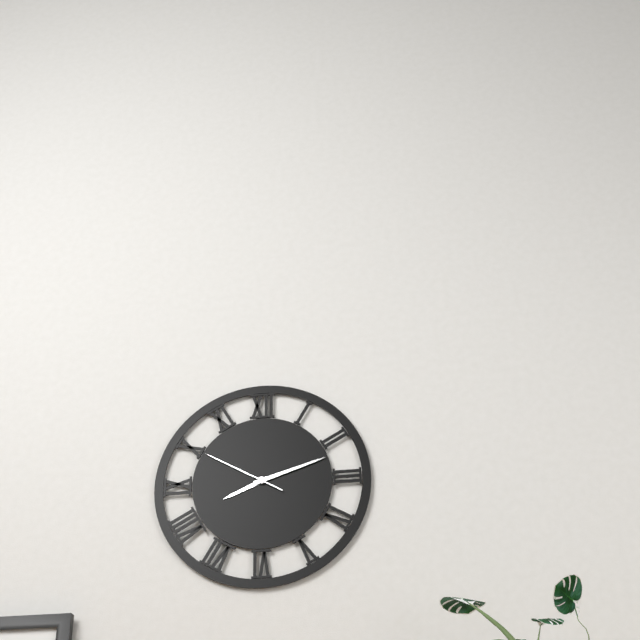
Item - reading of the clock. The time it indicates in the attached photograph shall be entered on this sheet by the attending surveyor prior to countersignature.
8:12:50
